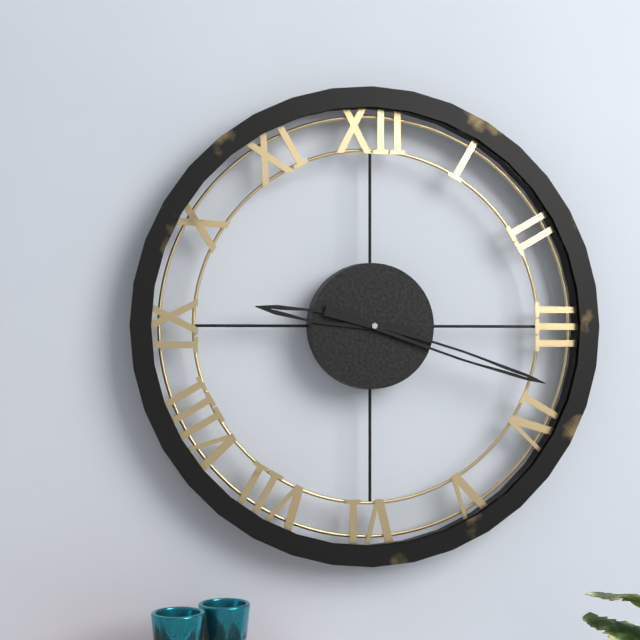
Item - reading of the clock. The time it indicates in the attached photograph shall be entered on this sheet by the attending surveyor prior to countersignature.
9:18
